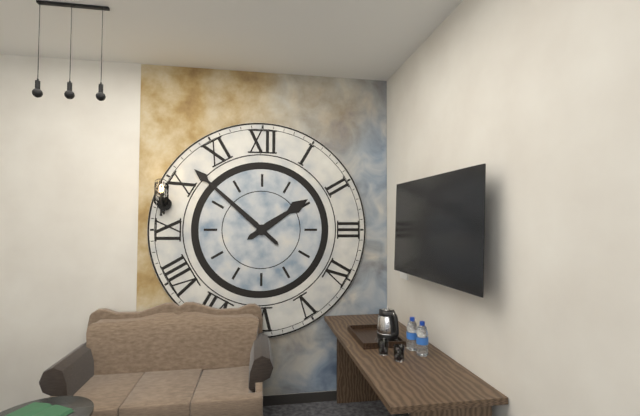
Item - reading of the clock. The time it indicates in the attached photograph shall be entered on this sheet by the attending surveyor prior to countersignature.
1:52
